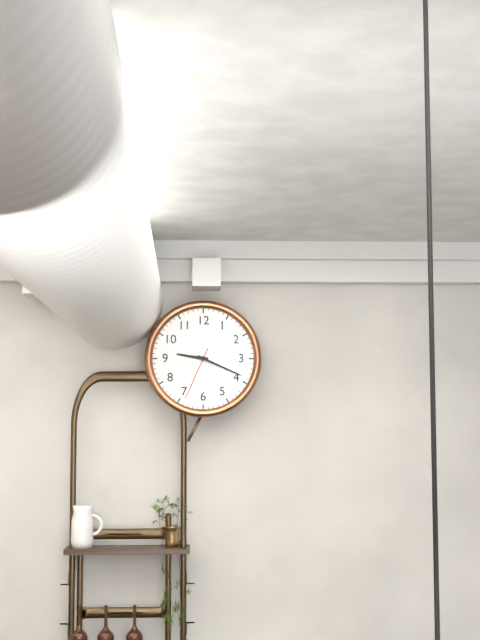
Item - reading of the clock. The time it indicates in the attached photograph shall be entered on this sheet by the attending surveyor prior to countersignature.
9:19:34
